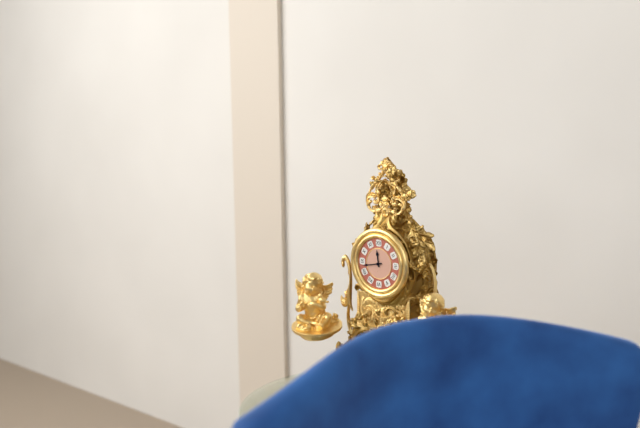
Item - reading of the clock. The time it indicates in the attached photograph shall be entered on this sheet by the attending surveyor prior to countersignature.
11:43
